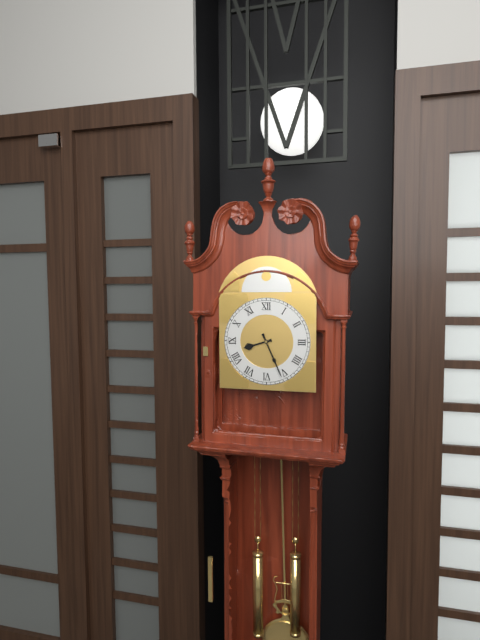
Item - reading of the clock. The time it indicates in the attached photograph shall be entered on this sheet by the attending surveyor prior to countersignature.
8:26
